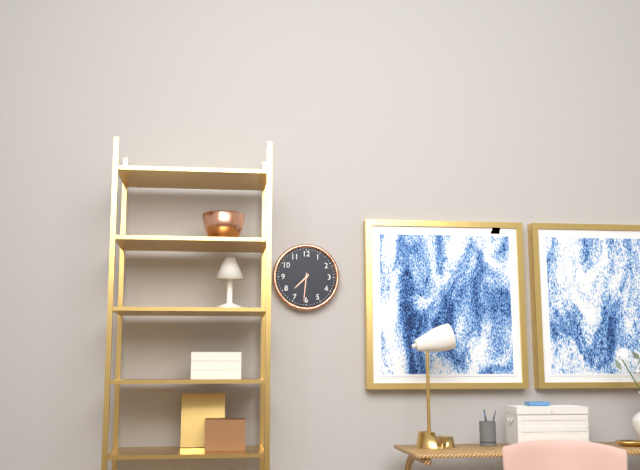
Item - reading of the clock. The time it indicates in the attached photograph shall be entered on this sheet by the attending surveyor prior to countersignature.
7:31
